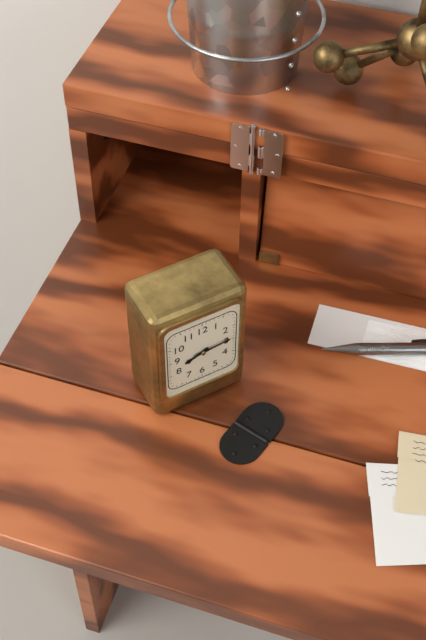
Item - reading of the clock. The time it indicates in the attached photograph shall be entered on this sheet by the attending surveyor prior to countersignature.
8:14
